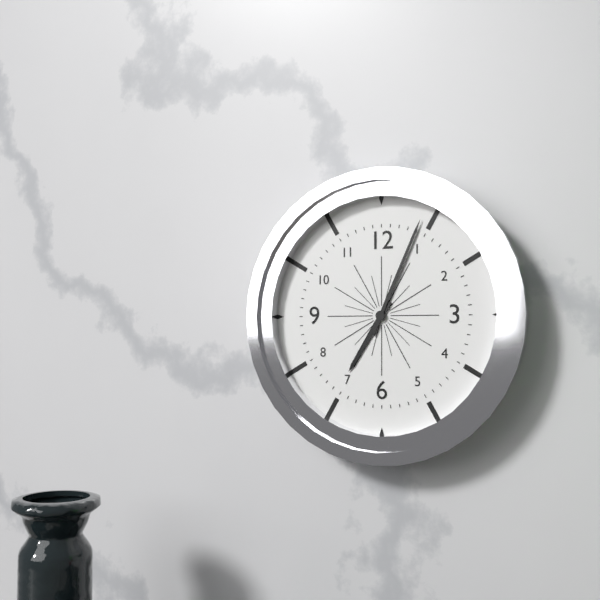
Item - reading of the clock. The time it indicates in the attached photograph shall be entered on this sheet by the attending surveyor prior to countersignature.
7:04
